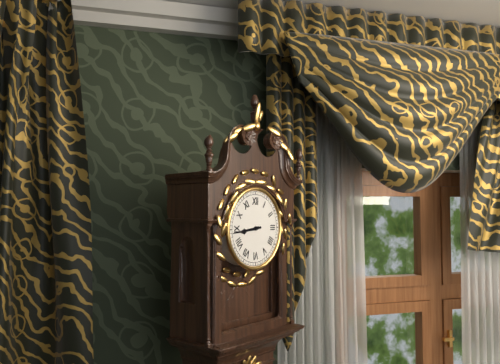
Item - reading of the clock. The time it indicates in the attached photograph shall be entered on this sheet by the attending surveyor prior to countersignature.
8:44
